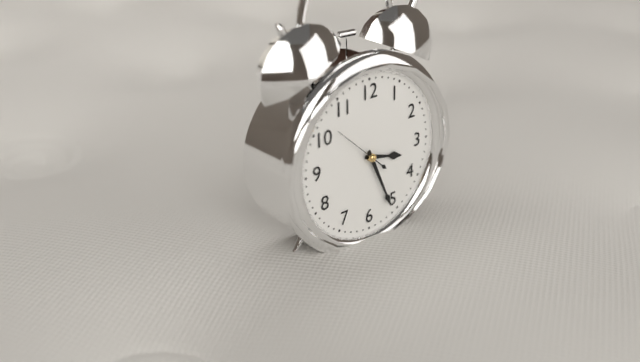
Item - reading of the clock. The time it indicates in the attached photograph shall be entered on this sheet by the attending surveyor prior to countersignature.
3:26
